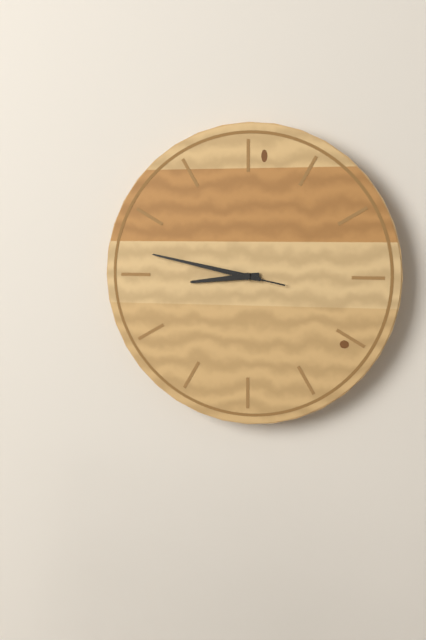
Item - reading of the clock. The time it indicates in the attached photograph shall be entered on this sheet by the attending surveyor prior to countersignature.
8:47:47
